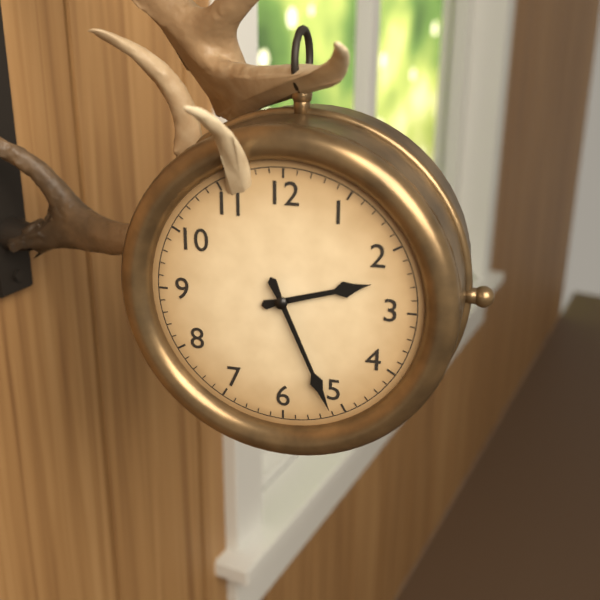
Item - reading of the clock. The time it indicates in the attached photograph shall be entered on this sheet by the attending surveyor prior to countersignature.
2:26
